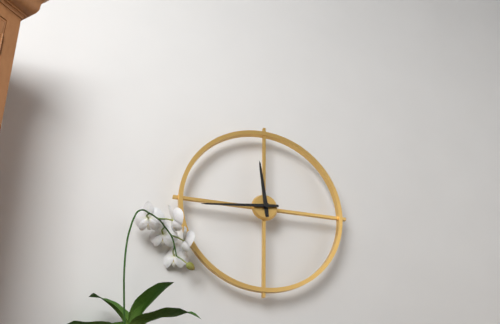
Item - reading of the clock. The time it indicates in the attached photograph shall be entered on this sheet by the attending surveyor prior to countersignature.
11:44
